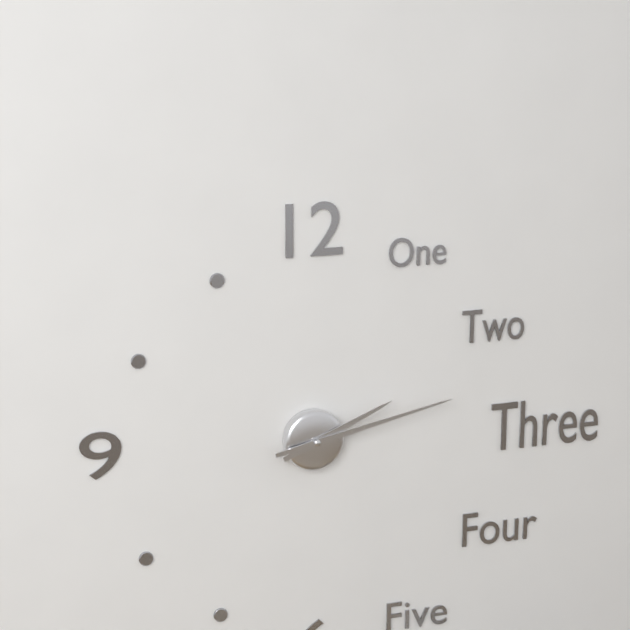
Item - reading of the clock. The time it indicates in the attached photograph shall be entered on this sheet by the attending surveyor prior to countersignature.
2:13
